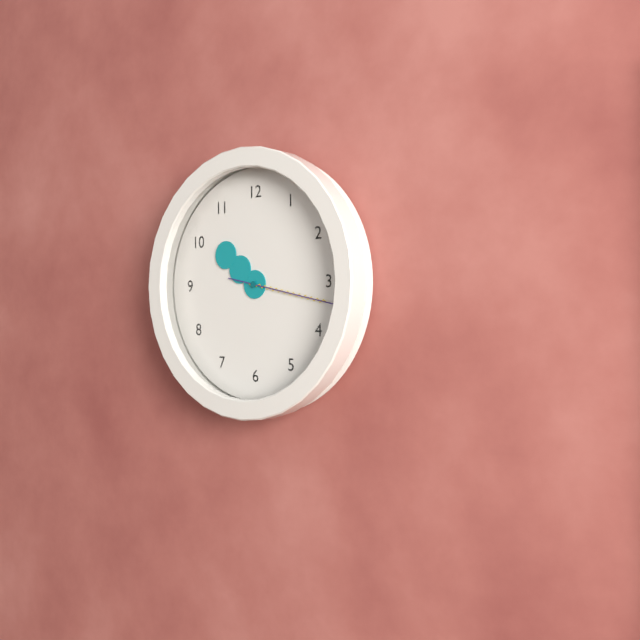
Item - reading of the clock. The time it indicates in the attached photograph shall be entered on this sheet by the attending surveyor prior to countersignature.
10:17:17
